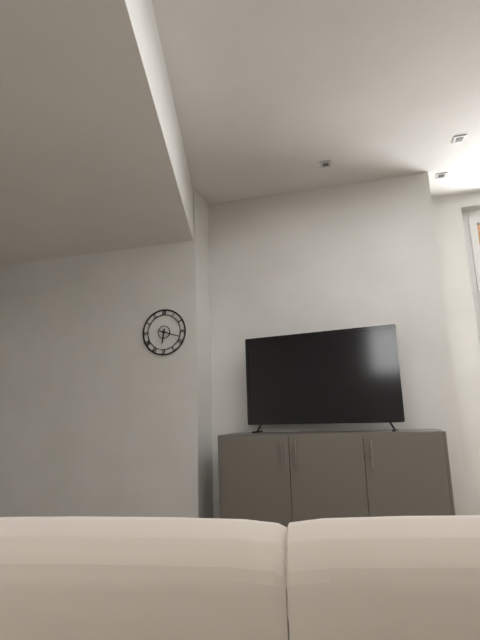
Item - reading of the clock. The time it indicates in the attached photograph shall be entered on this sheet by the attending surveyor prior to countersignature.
6:18
